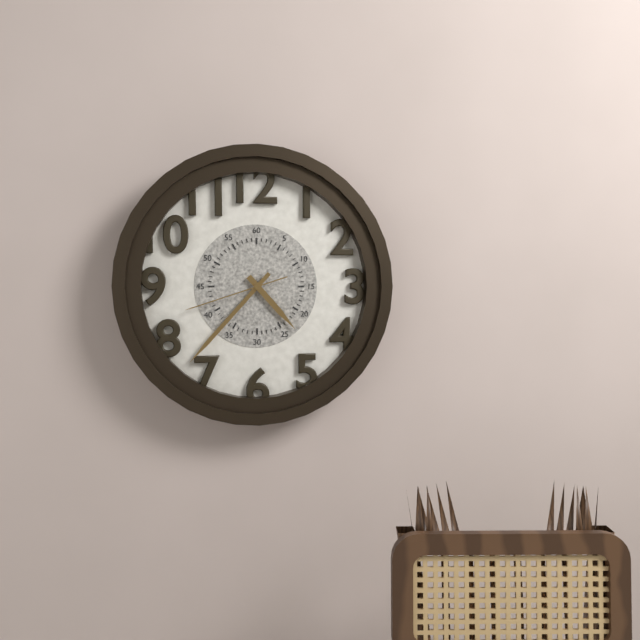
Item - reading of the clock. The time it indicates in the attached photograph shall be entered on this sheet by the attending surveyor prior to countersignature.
4:37:42
